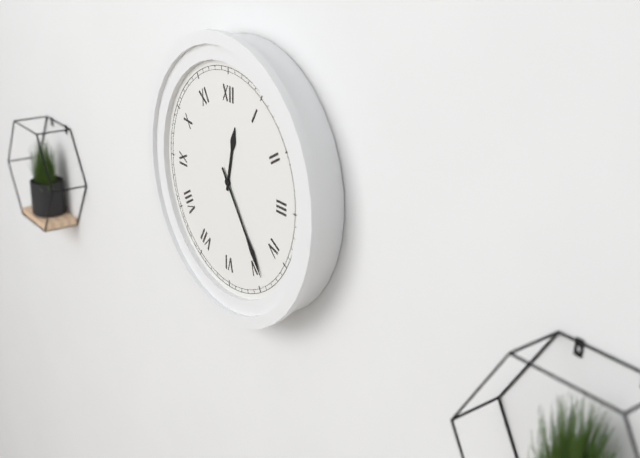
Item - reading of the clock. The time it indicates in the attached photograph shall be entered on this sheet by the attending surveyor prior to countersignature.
12:24
